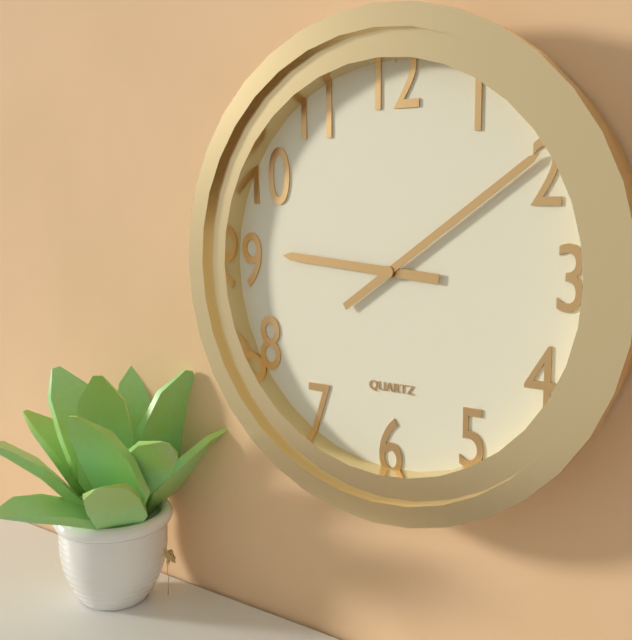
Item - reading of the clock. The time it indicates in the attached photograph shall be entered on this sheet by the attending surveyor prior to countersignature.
9:09
